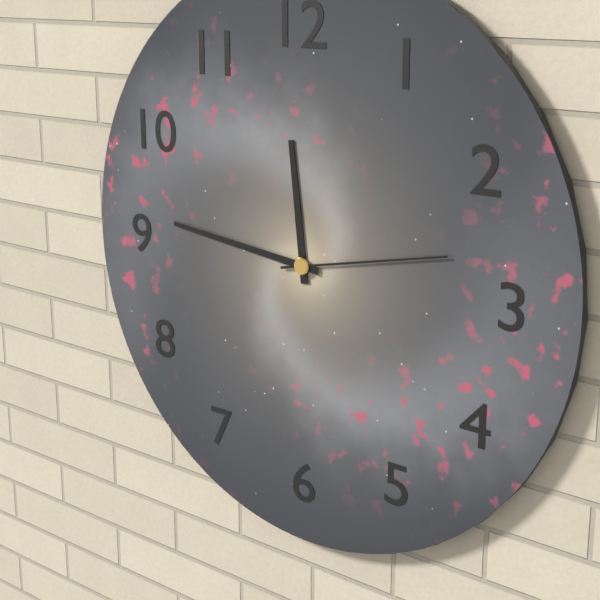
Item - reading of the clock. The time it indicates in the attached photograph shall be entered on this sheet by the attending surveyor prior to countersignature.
11:46:13
